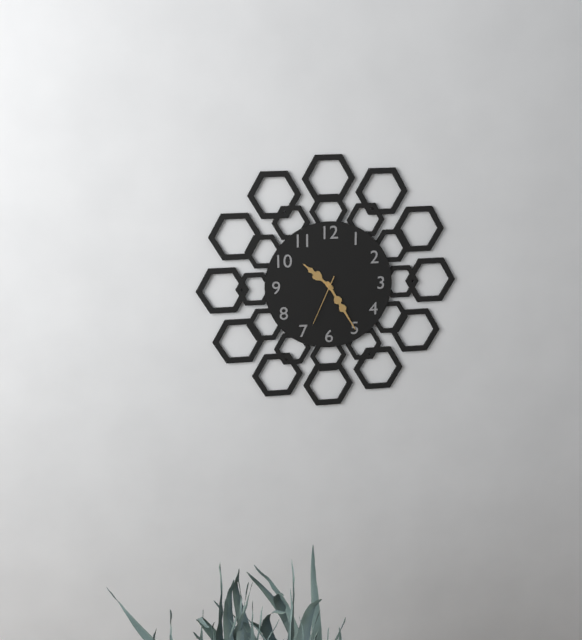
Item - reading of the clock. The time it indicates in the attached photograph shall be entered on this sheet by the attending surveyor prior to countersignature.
10:25:34
